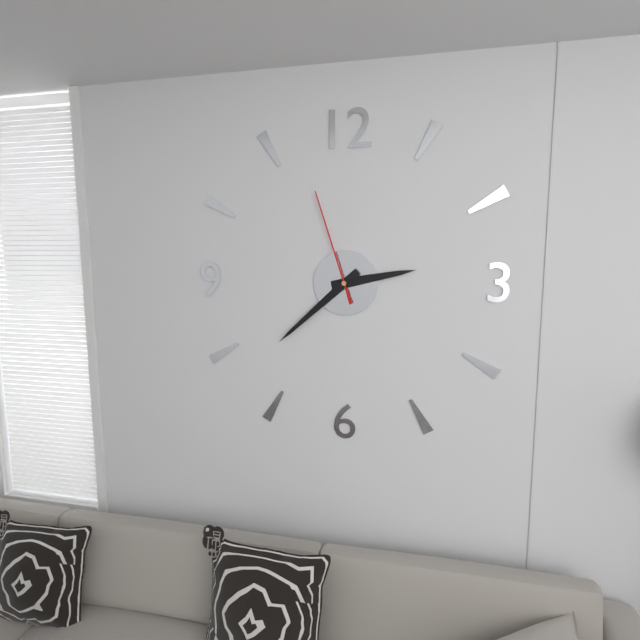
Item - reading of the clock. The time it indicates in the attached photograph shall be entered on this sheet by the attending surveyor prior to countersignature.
2:38:57
